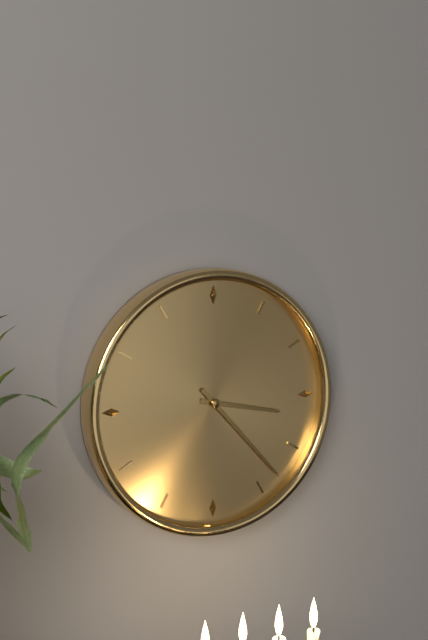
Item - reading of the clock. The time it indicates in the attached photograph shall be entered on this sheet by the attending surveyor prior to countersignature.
3:23
